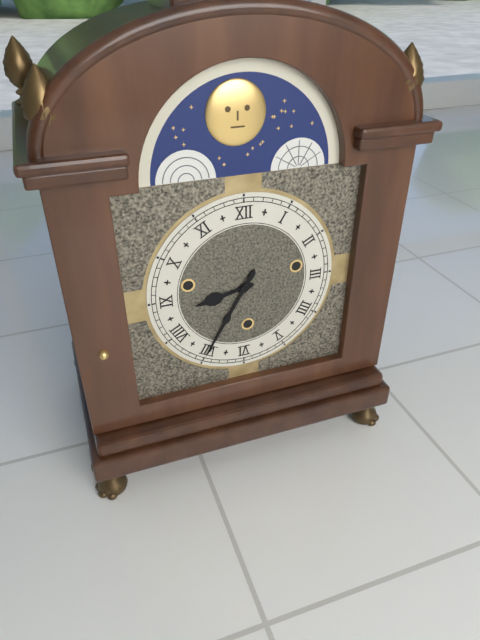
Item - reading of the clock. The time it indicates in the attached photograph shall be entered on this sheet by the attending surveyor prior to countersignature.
8:35
